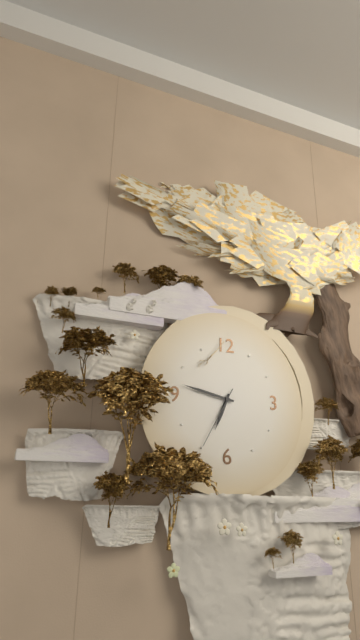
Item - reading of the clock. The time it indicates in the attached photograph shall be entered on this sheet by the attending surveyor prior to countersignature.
6:47:35
